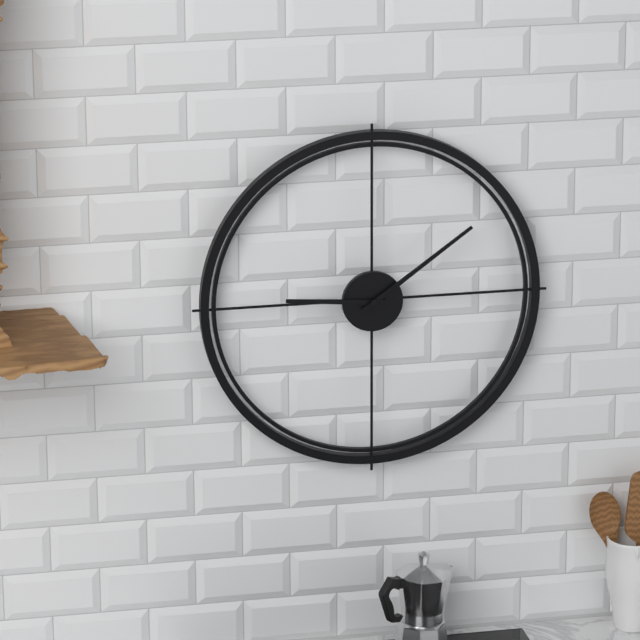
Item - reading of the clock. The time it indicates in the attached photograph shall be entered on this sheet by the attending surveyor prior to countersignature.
9:09
